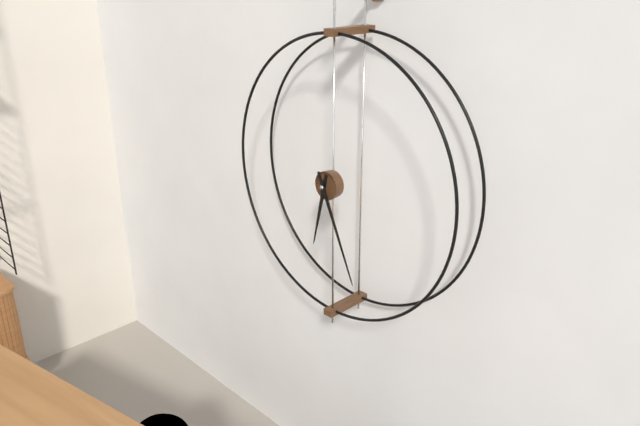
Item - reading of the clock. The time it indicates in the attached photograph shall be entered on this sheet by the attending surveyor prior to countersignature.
6:26
